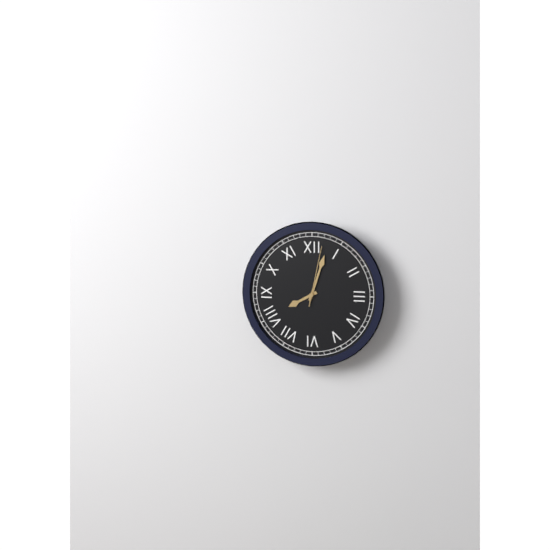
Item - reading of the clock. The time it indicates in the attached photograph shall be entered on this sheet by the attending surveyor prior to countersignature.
8:03:02
